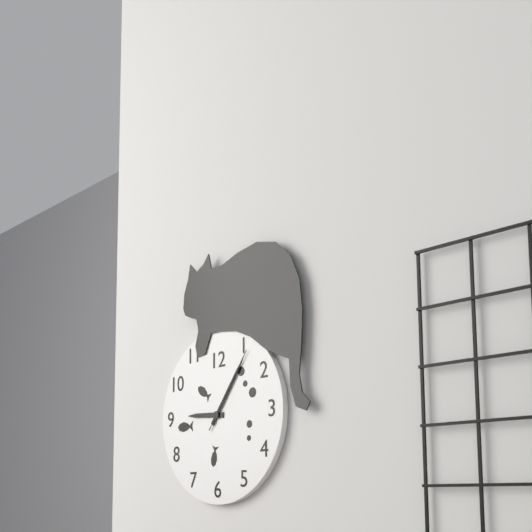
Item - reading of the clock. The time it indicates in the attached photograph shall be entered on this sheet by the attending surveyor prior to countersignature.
9:06:06
